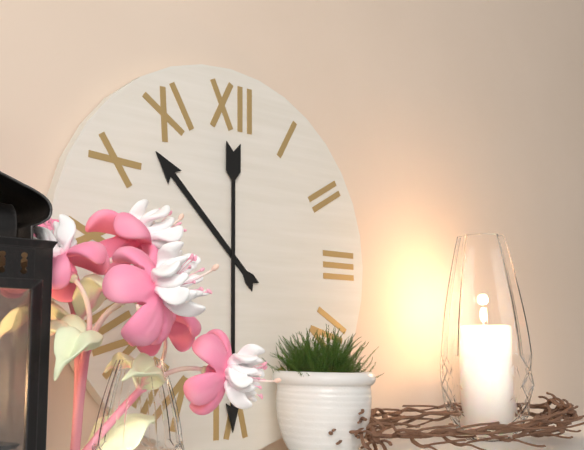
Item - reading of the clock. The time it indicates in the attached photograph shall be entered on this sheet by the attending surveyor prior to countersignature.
10:30
